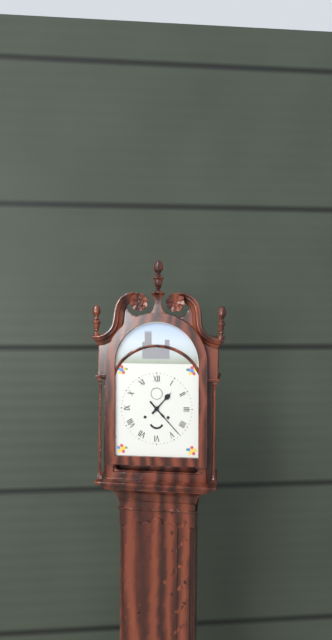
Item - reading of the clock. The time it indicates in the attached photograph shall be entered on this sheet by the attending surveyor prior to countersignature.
1:23
